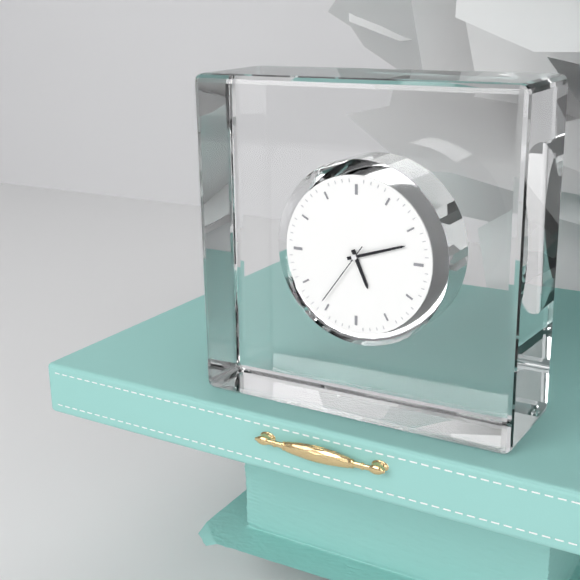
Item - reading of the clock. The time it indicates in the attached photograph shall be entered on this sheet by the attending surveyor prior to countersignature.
5:12:36
